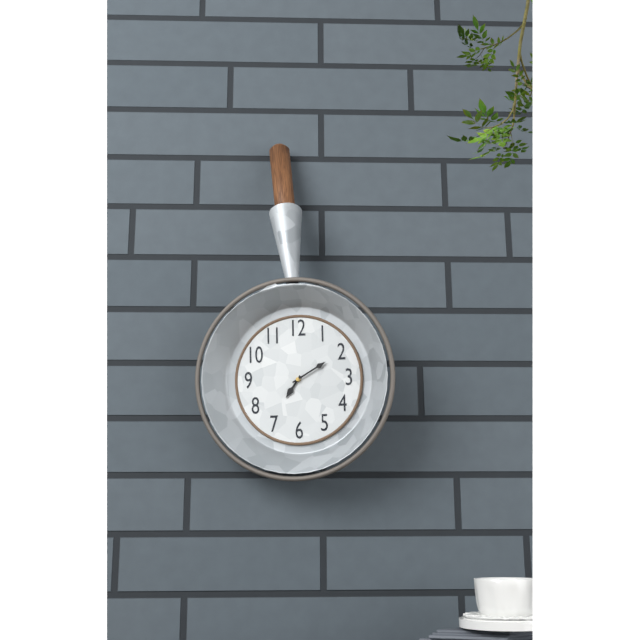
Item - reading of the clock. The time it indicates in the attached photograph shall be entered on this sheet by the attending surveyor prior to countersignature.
7:10
